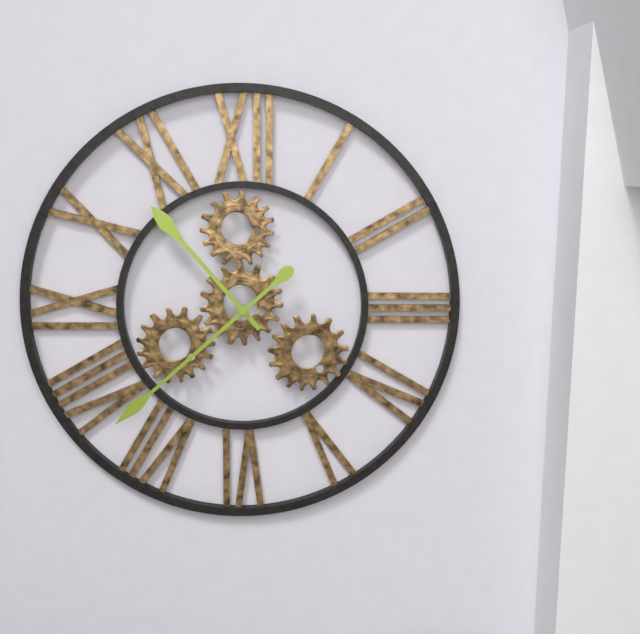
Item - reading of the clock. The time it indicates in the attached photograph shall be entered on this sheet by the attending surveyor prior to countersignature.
10:38
